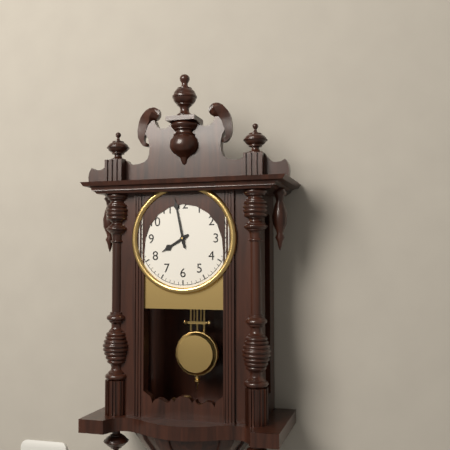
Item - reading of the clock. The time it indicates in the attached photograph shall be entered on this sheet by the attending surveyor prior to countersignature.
7:58
